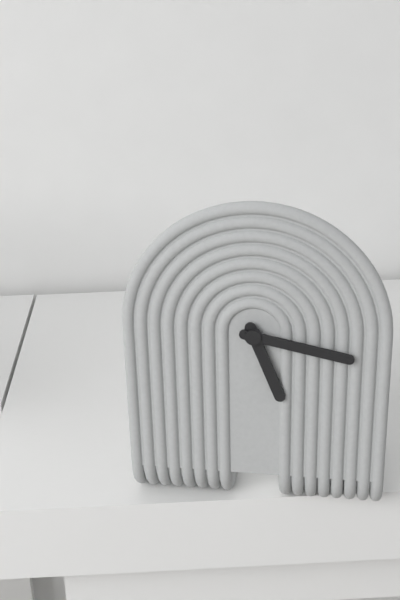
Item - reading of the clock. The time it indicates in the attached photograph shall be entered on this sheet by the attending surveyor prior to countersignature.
5:17
